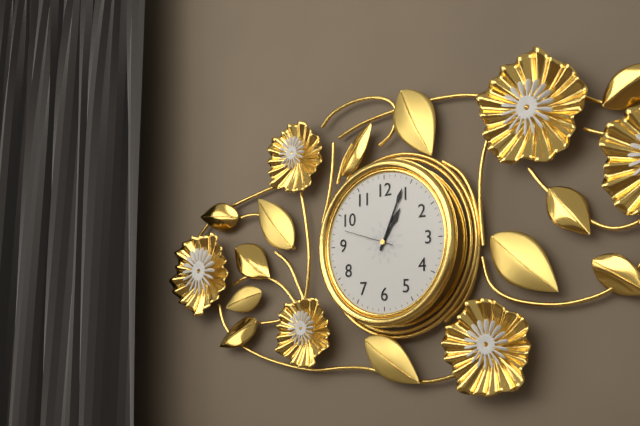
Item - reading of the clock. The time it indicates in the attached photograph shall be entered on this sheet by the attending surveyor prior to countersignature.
1:04
